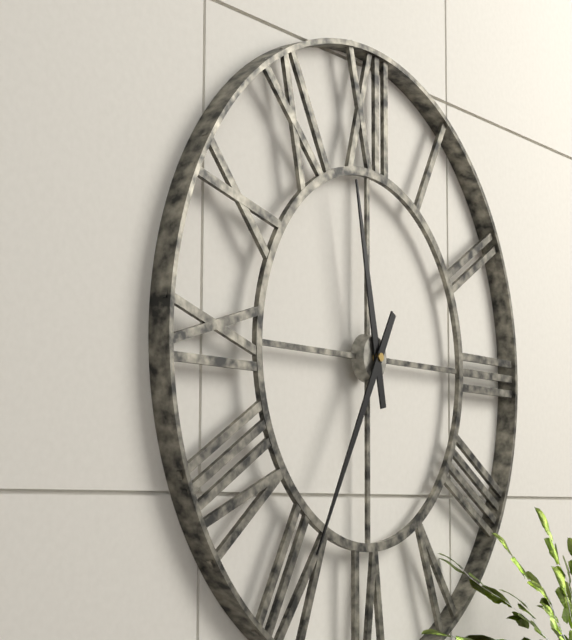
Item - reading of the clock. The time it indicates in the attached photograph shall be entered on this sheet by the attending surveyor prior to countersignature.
11:35
